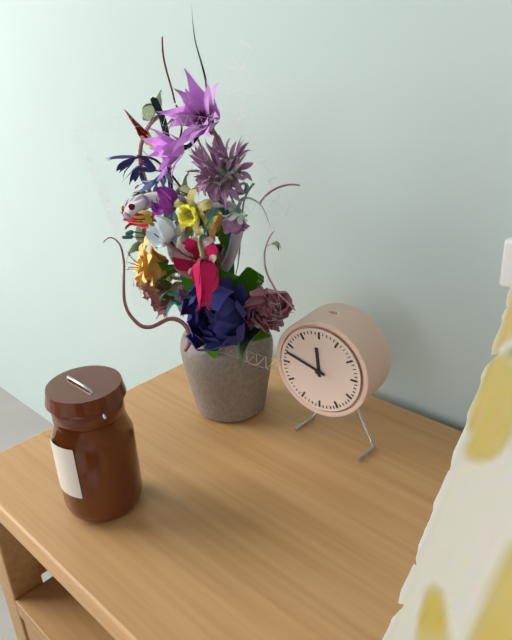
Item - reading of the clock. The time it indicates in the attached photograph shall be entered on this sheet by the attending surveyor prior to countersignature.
11:48
